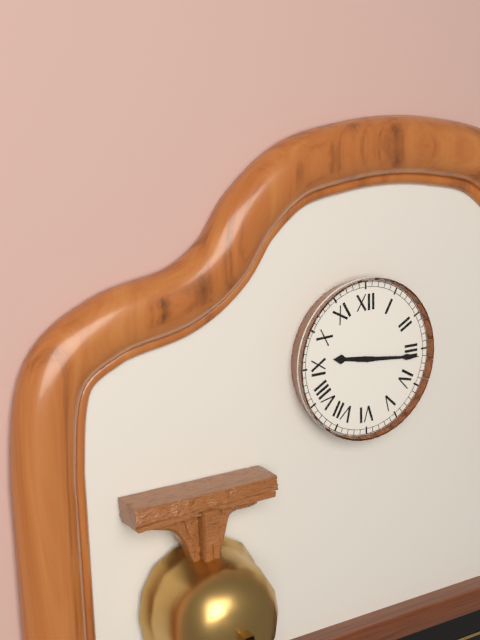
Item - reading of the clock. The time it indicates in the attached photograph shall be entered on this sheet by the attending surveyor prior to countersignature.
9:16
